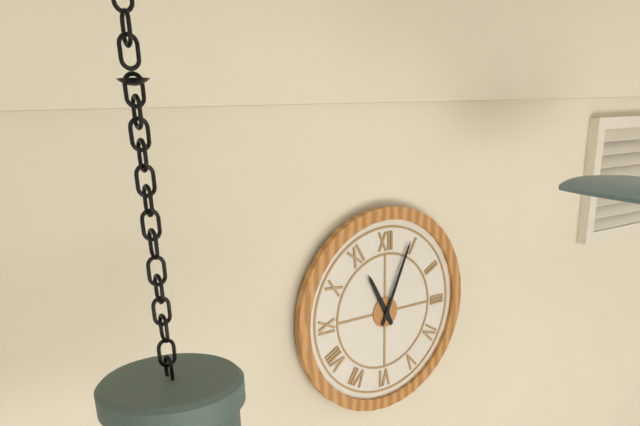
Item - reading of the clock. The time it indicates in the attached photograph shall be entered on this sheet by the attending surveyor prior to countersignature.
11:04
